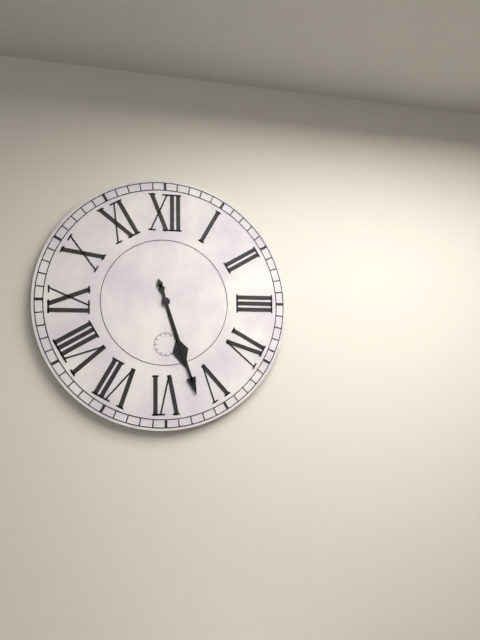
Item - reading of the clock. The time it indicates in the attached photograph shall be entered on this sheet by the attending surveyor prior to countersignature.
5:27
